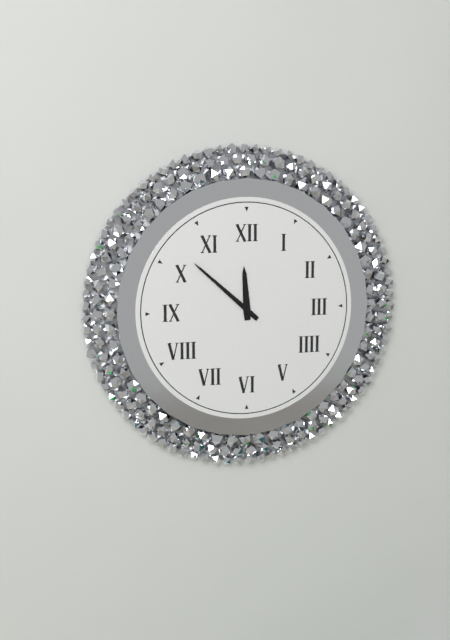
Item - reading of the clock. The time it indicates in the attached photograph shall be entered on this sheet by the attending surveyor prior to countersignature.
11:52
